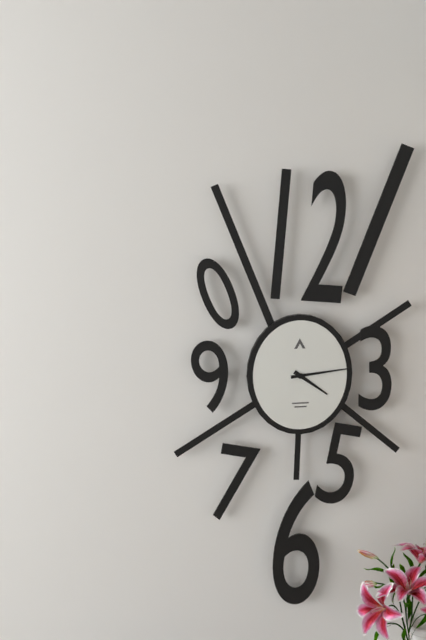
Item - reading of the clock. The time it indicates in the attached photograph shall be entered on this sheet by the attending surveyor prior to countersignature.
4:14
